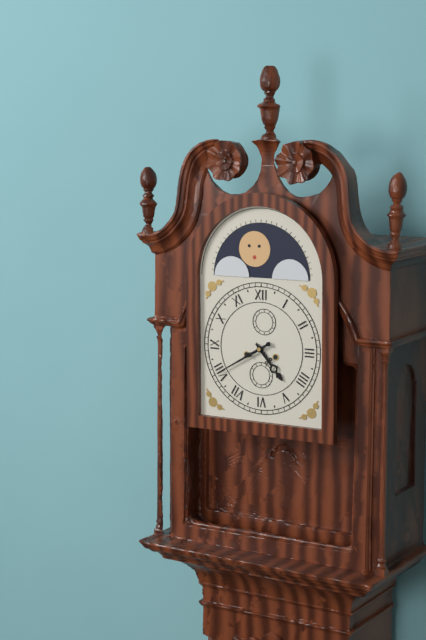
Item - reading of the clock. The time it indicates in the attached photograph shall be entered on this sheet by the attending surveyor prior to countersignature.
4:40
